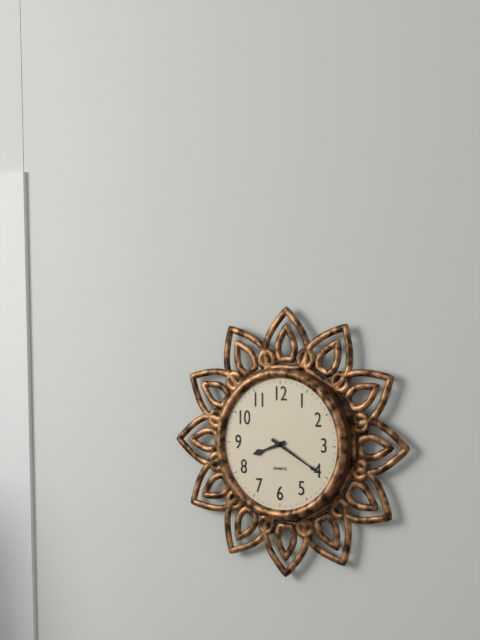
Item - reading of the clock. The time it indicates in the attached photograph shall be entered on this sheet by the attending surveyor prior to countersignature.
8:20
